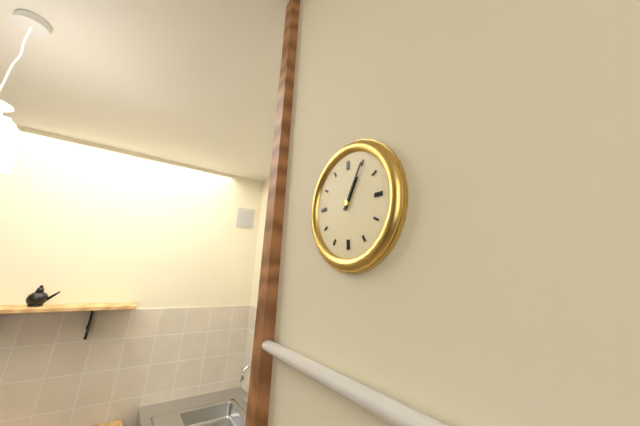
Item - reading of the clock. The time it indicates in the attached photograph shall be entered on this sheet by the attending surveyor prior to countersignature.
1:05
